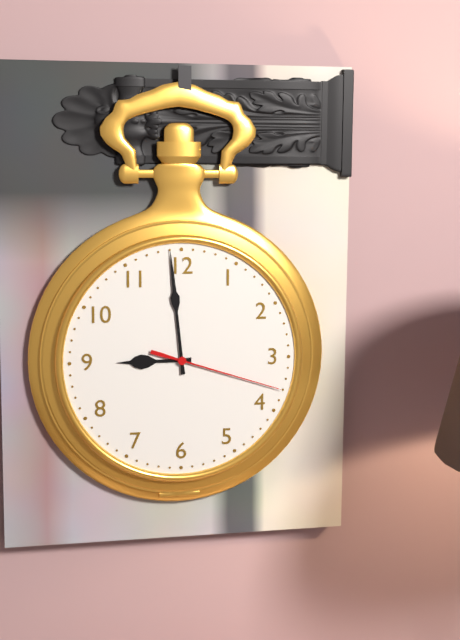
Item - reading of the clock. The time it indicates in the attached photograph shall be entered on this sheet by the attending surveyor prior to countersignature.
8:59:18
